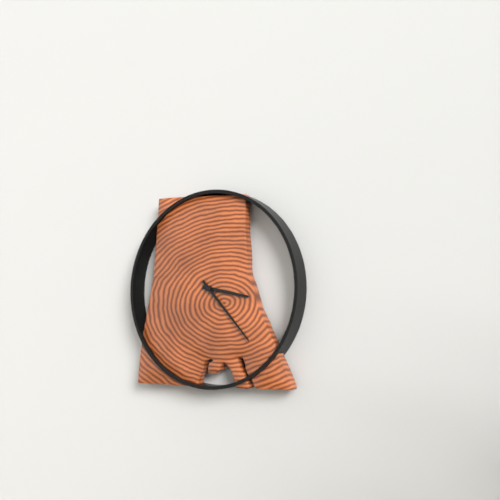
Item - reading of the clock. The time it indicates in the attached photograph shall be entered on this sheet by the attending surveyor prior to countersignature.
3:23
